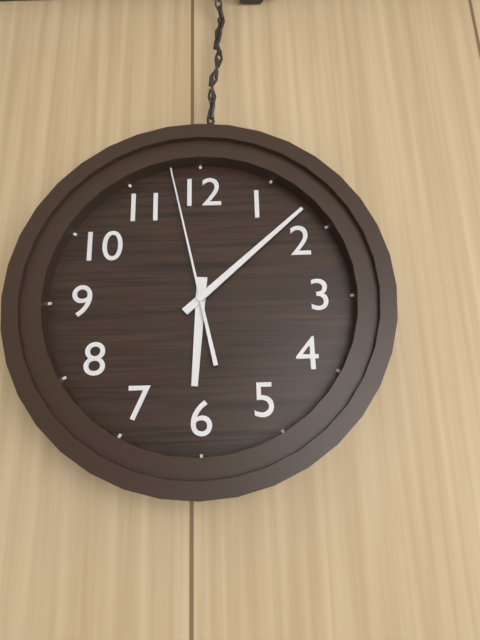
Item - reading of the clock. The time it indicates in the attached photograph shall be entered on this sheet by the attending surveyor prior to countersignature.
6:08:58
